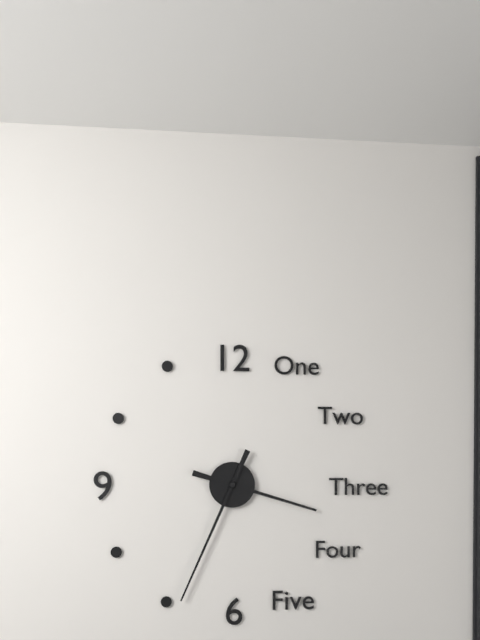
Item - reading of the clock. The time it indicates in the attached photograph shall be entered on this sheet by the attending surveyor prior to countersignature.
3:34
